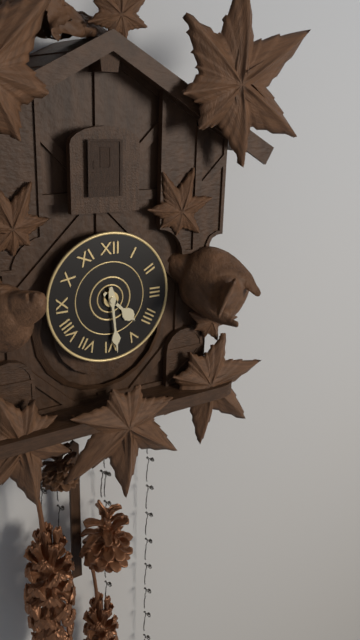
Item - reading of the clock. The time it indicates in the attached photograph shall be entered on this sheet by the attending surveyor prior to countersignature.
4:29
